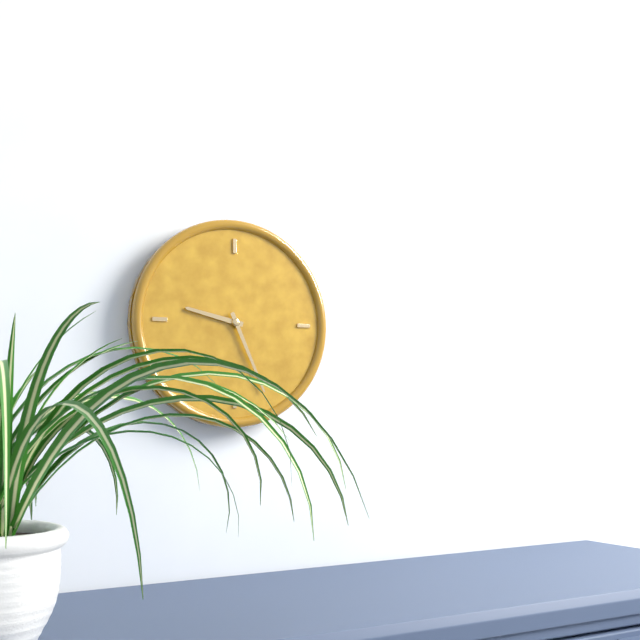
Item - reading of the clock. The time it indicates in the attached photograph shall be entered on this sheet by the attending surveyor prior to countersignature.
9:26
